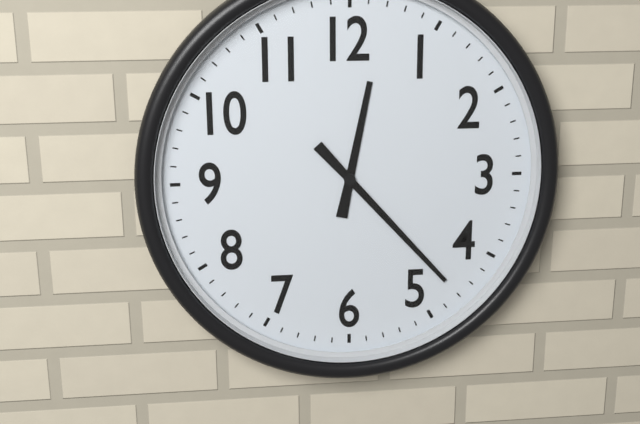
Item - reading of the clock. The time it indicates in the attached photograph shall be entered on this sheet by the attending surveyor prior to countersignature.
12:23
